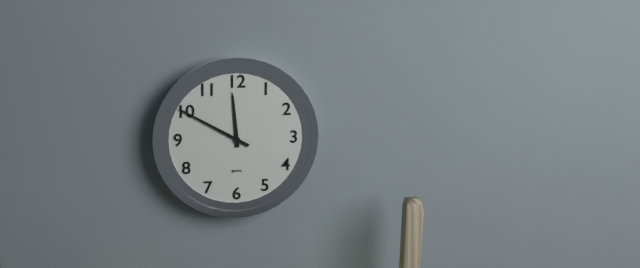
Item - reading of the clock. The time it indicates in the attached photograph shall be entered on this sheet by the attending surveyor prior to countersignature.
11:50
